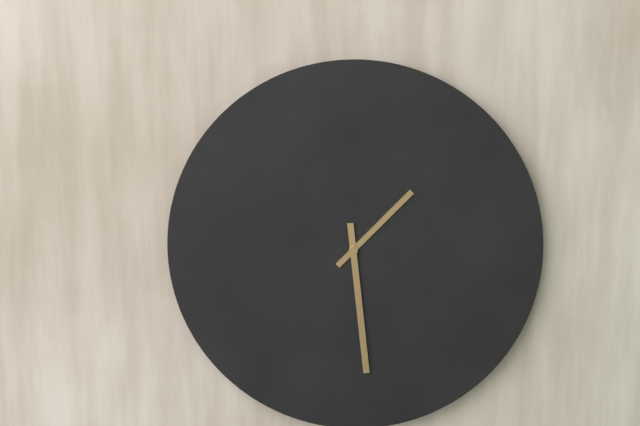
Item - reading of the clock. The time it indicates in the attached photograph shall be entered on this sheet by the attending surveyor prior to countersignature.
1:29
